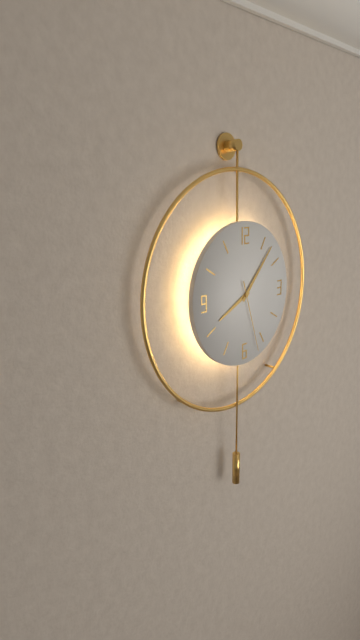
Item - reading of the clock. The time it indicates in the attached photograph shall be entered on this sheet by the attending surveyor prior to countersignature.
8:07:27
